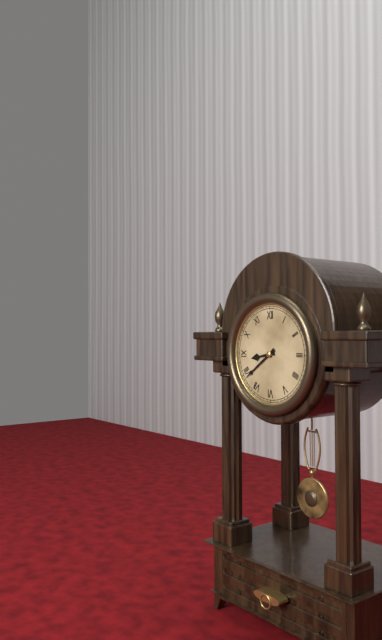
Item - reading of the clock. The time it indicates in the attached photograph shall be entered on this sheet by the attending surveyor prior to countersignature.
8:39
